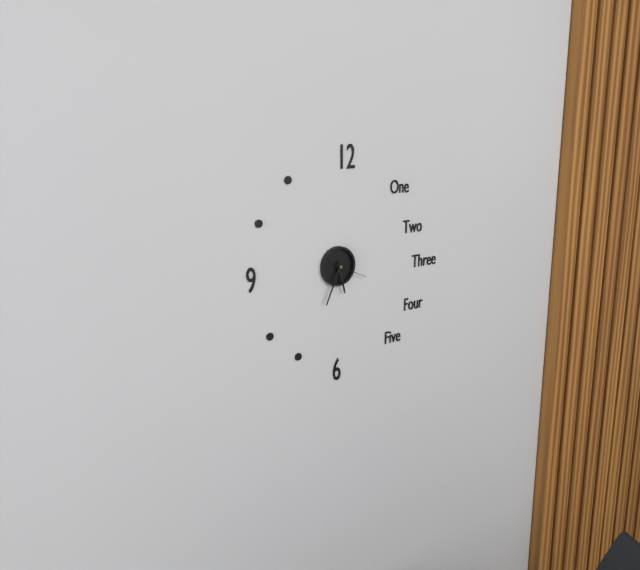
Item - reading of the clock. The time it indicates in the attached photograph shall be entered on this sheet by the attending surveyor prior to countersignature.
5:34
